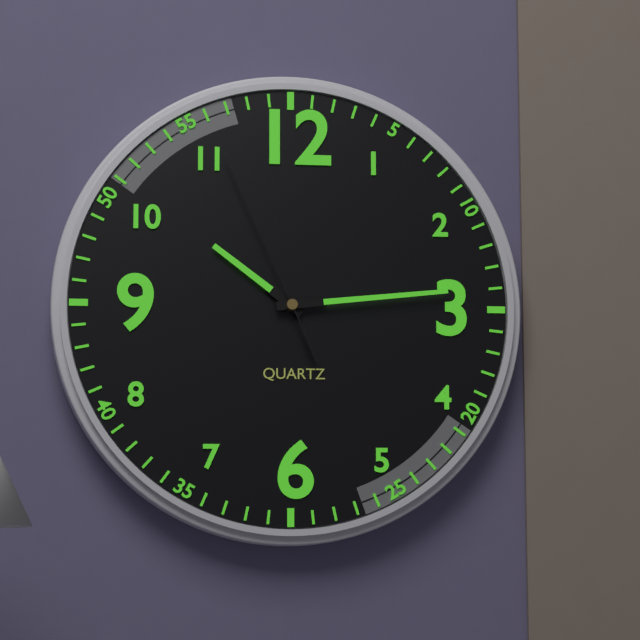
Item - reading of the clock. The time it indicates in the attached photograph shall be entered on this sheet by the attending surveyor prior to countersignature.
10:14:56
